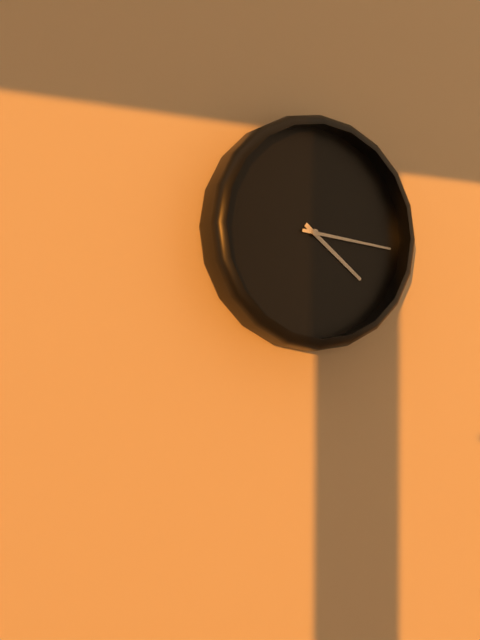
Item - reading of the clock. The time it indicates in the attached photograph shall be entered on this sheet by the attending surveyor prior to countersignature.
4:16
